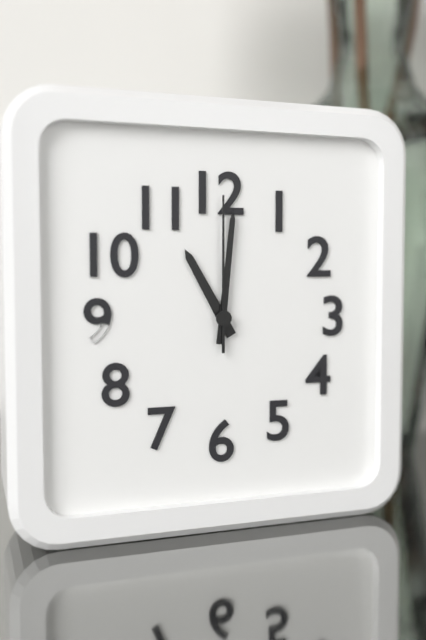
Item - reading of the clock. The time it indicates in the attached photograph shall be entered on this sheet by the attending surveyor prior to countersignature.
11:01:00
